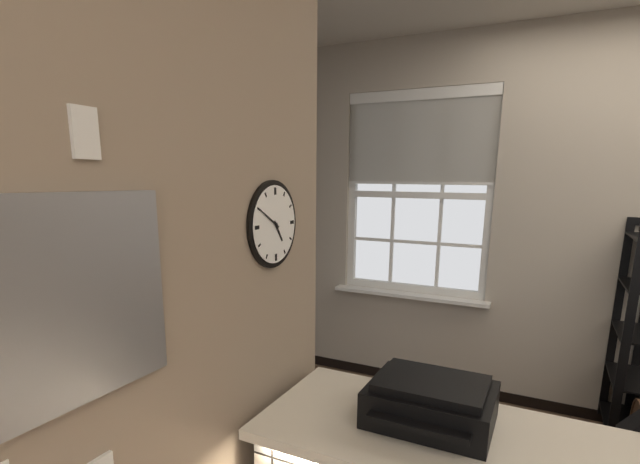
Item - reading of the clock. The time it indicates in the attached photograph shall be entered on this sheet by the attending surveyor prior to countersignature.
4:50
